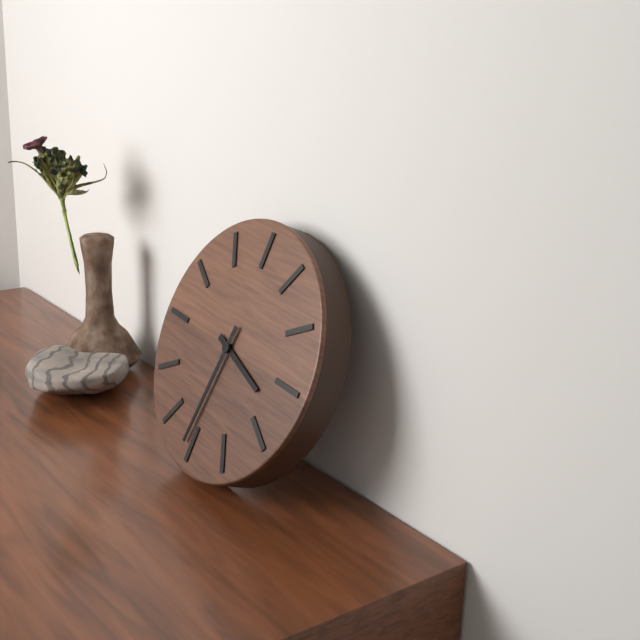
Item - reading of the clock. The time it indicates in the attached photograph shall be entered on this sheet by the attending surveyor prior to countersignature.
3:31
